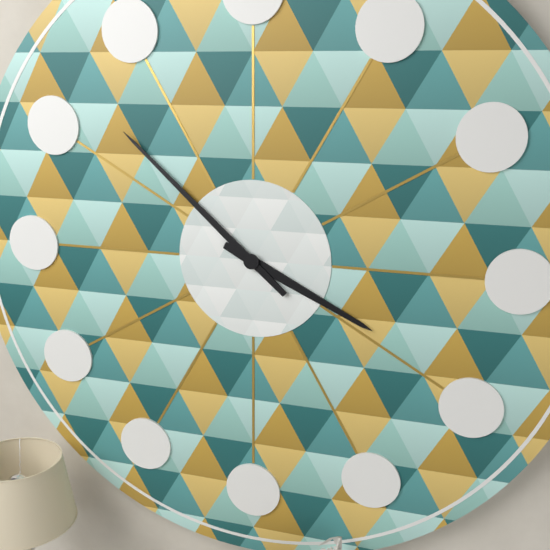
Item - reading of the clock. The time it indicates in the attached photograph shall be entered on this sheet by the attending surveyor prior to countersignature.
3:52
